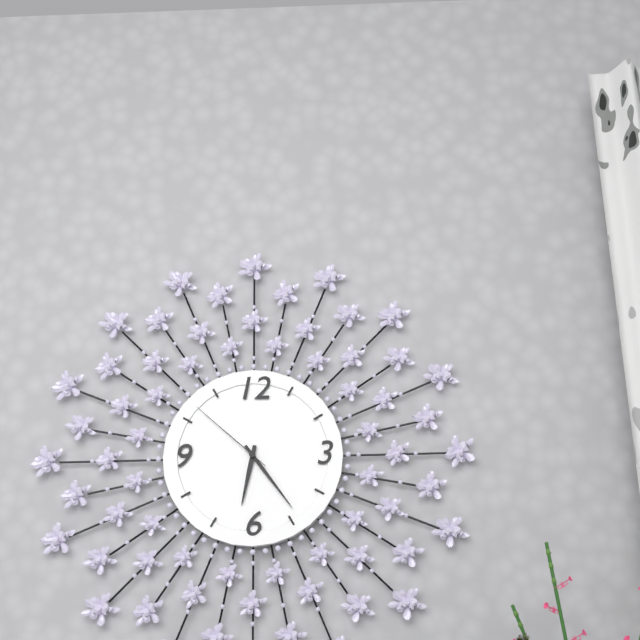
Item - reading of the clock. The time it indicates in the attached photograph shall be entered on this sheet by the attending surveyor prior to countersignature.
6:24:52
